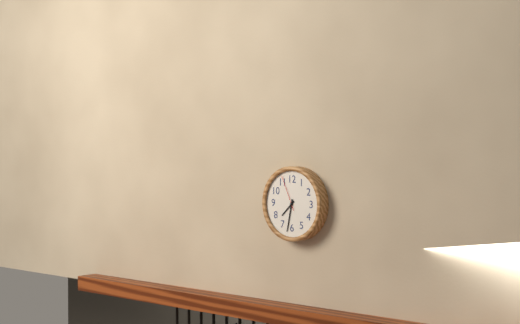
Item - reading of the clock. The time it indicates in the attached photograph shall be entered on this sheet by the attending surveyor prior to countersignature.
7:32
